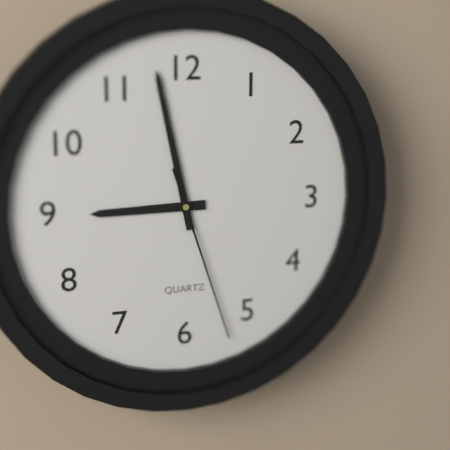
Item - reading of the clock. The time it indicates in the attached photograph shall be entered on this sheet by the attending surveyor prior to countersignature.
8:58:27
